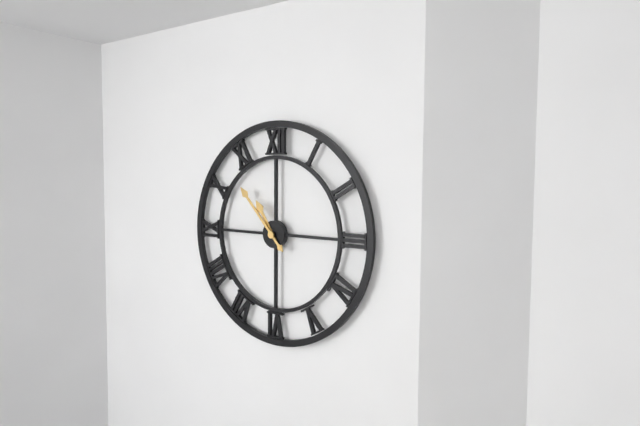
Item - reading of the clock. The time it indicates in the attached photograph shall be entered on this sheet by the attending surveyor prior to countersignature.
10:53
